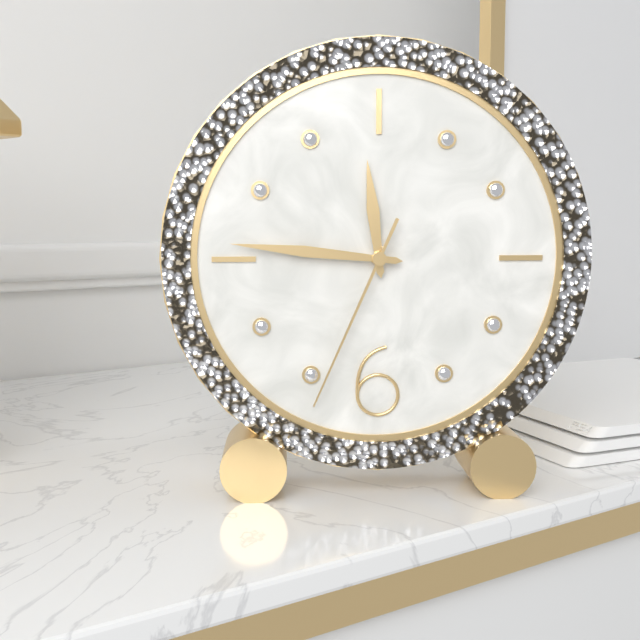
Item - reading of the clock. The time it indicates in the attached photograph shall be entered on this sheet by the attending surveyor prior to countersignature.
11:46:34
